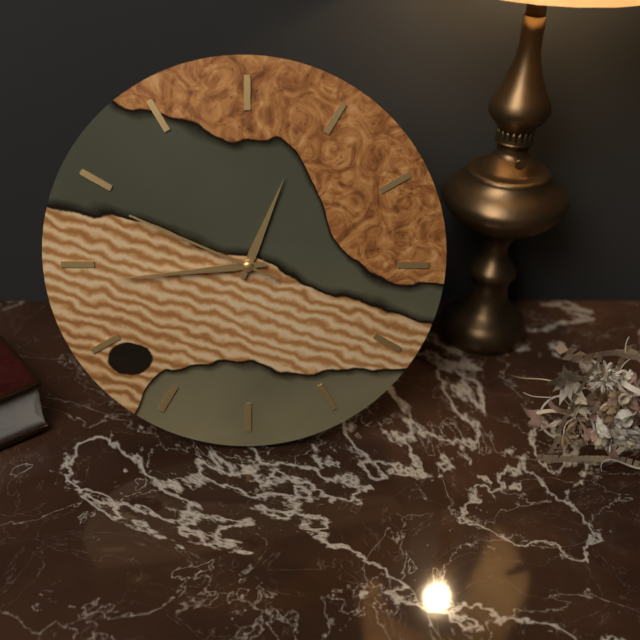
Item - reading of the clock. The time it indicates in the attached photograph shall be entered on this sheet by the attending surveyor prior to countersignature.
12:44:49
